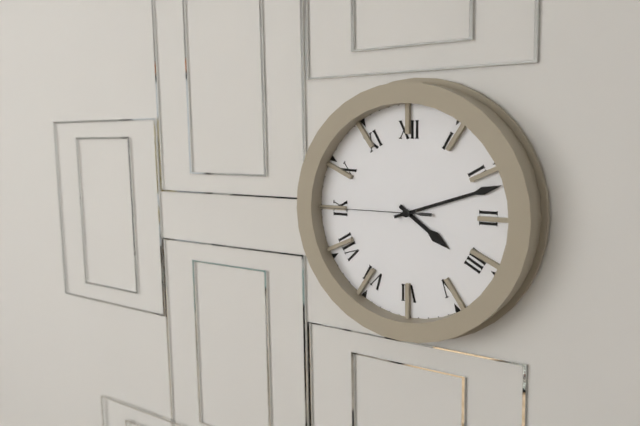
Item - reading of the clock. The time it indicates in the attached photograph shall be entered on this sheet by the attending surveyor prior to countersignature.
4:12:45
